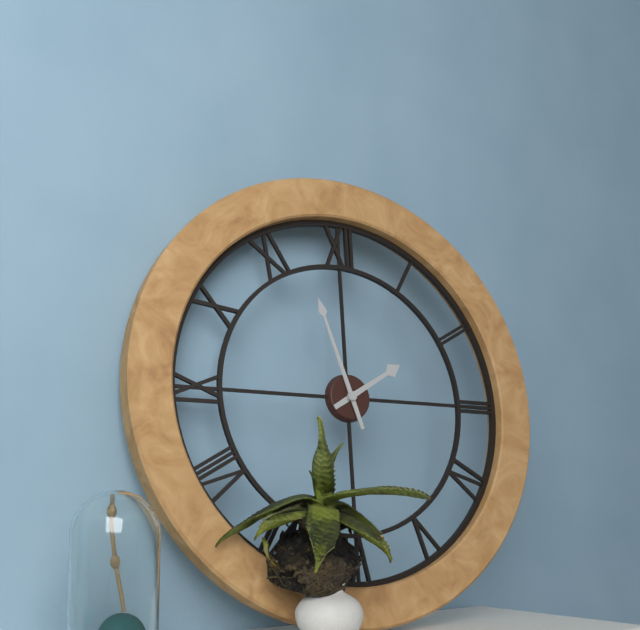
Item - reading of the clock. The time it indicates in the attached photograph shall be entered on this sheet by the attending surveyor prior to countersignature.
1:57
